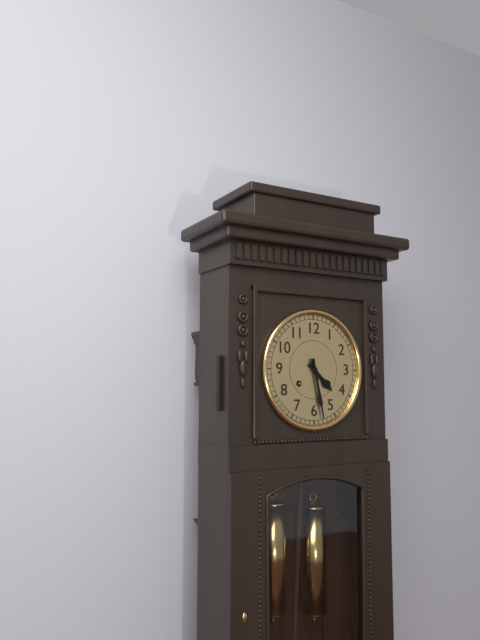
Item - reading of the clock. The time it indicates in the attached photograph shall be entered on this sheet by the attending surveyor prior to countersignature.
4:28
